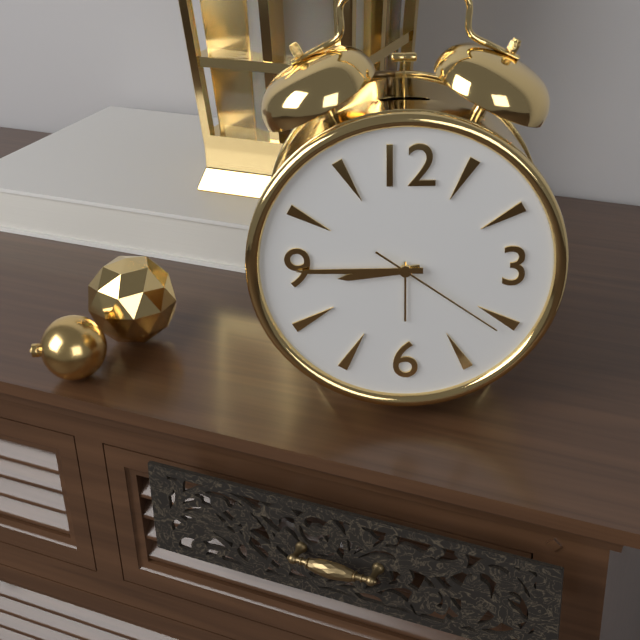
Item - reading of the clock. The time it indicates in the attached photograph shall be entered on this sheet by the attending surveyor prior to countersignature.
8:45:21
